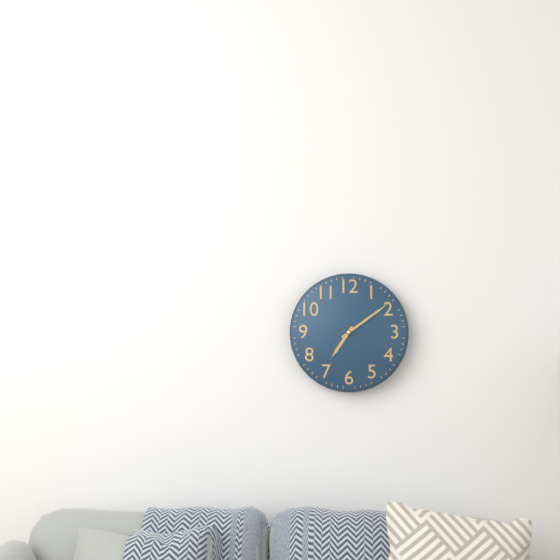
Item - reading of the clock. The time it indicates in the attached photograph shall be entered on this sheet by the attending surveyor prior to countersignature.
7:09
